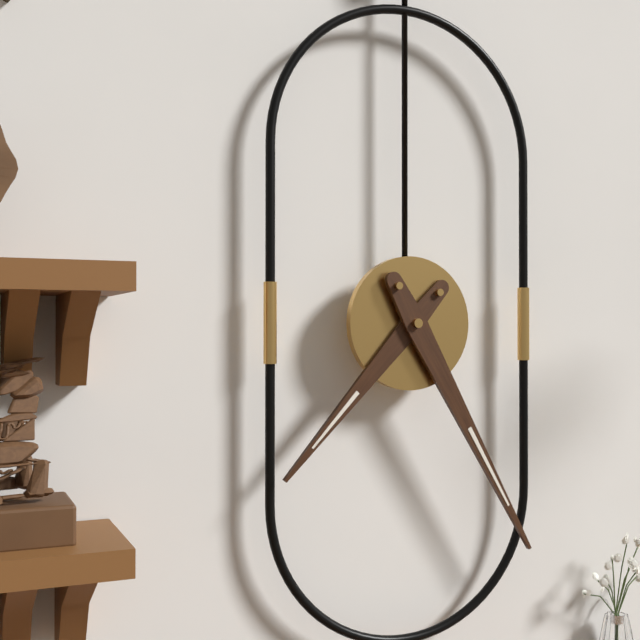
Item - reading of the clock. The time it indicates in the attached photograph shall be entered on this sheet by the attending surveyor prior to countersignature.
7:25
